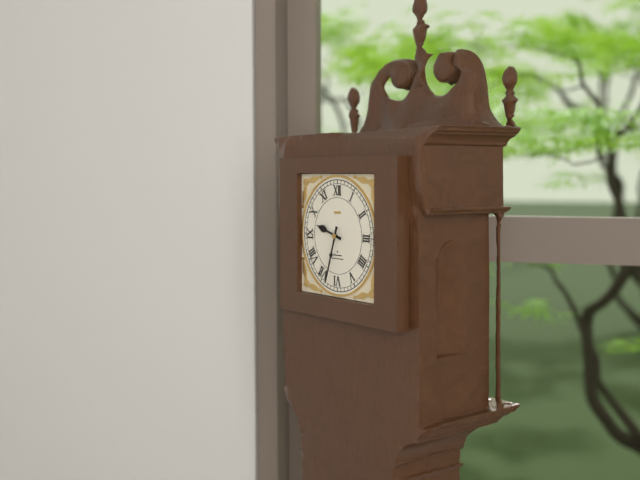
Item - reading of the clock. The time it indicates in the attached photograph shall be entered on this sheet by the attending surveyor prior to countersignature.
9:33
